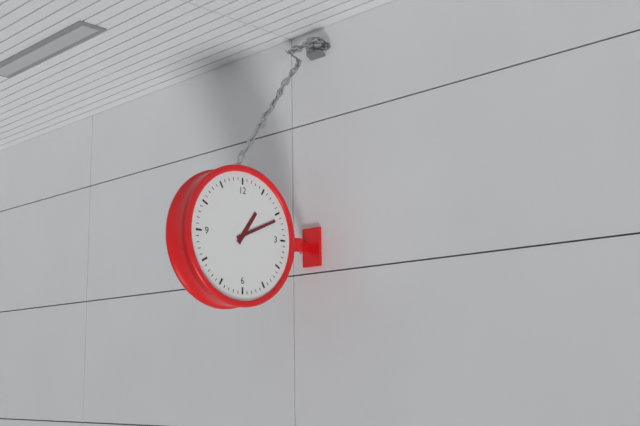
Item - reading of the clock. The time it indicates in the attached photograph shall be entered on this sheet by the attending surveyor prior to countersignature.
1:11
